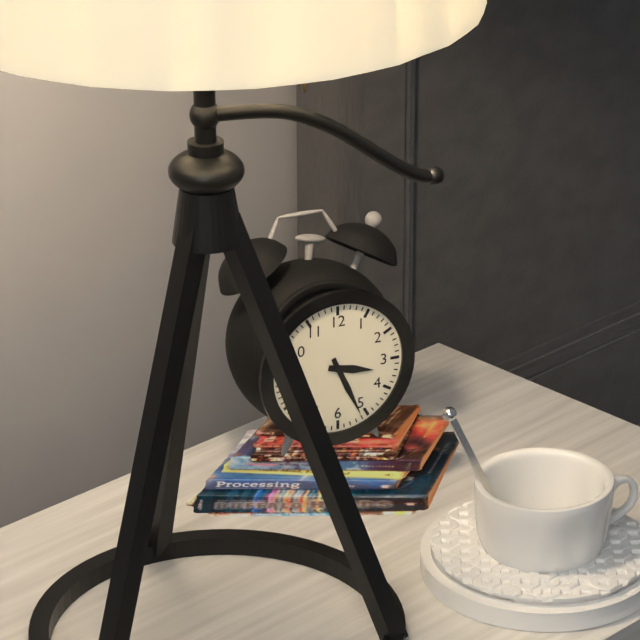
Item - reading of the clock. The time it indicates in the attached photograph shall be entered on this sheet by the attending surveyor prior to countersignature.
3:26
